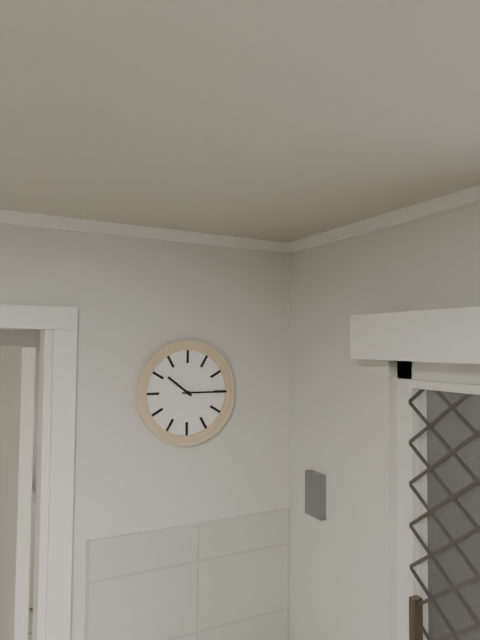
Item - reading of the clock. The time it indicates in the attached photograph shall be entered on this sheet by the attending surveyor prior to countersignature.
10:15
